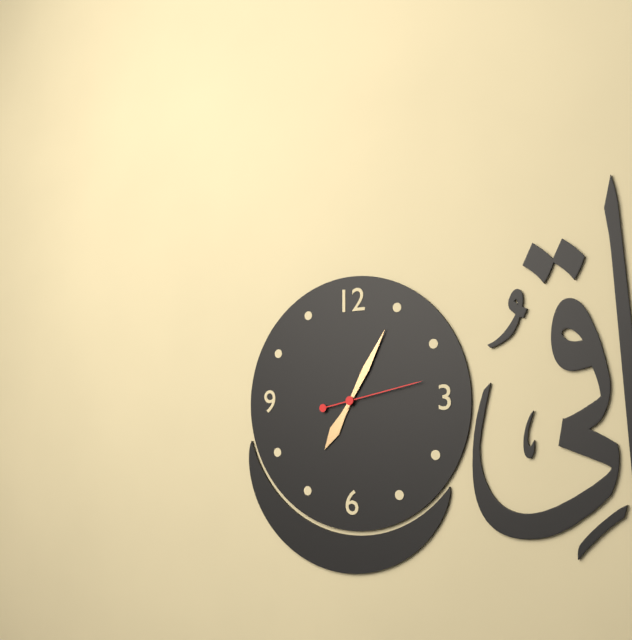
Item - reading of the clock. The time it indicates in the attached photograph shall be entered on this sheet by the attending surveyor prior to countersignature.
7:05:13
